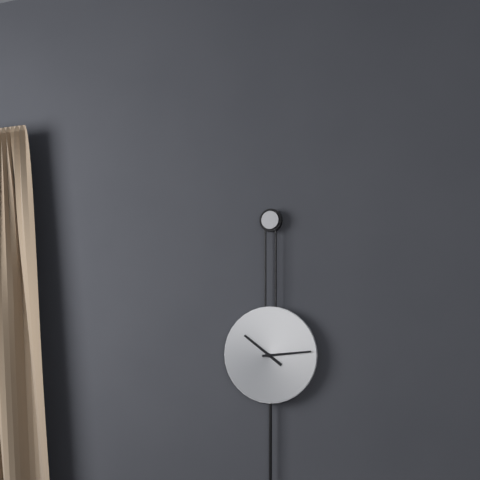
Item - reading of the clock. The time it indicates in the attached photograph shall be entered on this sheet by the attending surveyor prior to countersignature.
10:14
